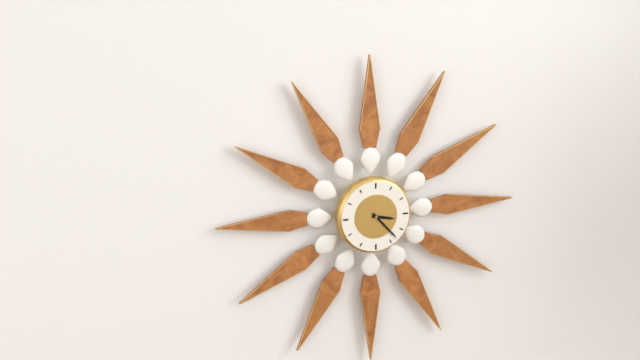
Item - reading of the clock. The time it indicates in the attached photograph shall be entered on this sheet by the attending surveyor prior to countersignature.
3:23
